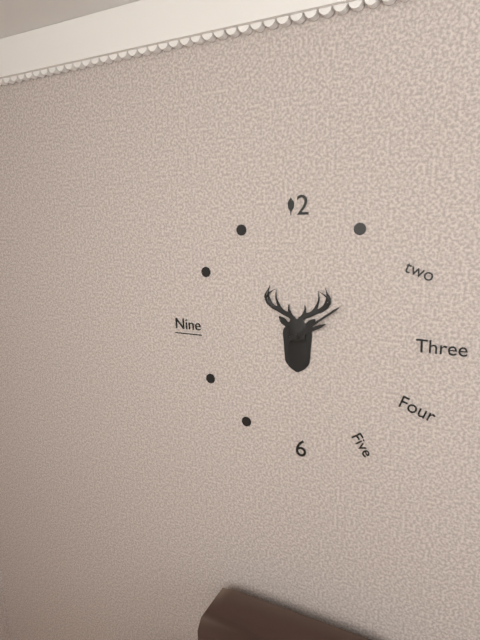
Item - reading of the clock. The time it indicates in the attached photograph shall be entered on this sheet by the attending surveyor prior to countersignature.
2:09
